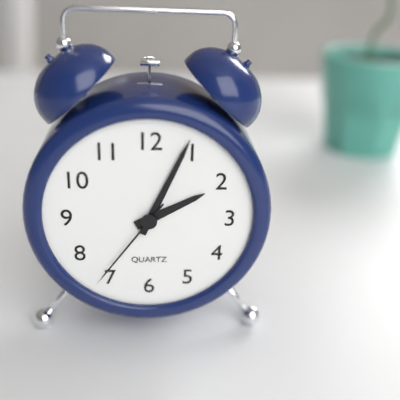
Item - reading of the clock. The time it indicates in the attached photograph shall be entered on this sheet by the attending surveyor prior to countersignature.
2:04:36
